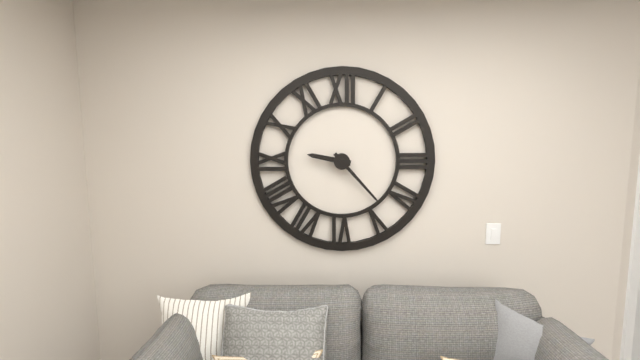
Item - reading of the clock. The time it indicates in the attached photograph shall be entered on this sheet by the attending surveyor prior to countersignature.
9:23
